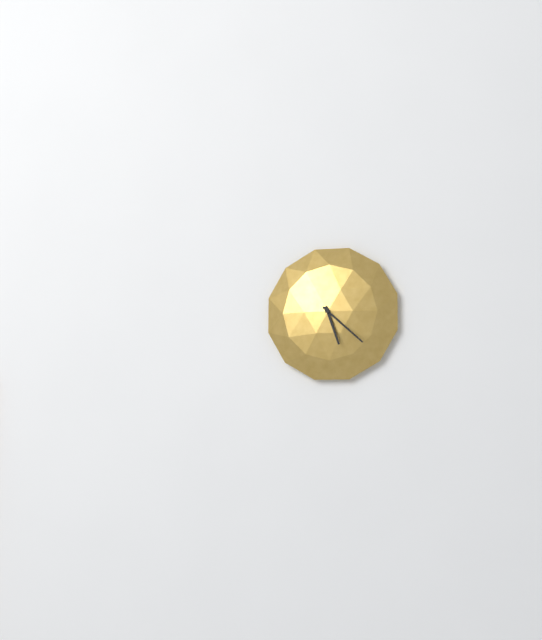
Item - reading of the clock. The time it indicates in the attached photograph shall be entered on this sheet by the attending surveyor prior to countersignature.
5:22
